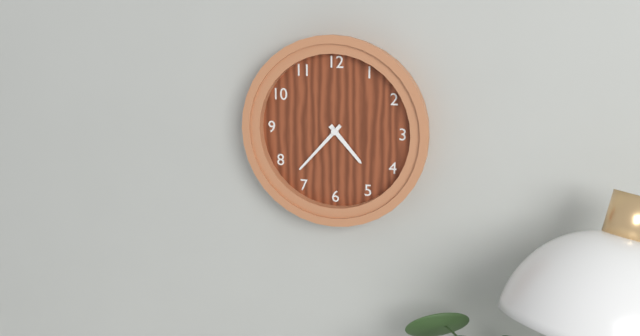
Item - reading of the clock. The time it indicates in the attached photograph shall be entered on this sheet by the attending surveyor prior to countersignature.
4:37
